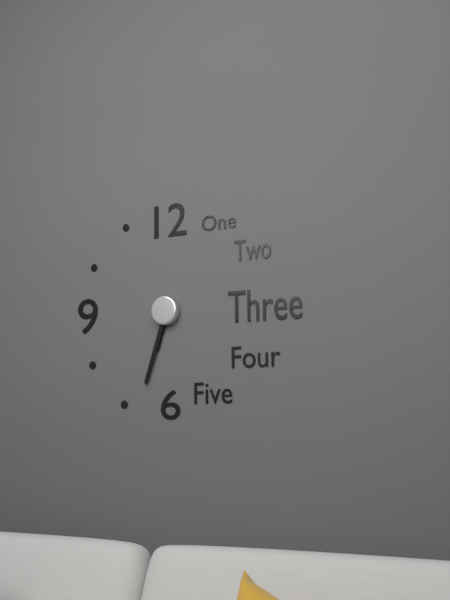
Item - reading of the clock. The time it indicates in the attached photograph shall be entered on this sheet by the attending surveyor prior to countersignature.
6:33
